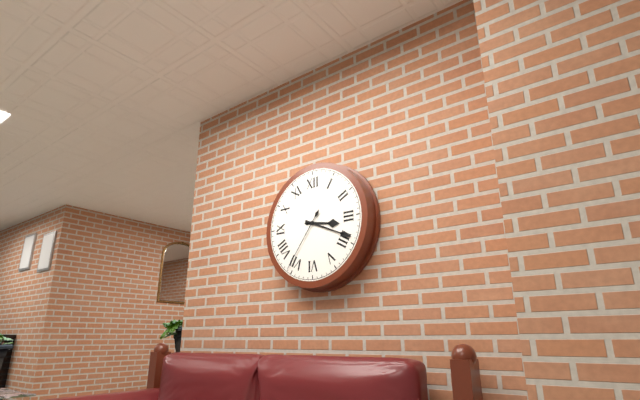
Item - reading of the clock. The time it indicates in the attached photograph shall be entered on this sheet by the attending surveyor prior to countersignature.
3:19:36
